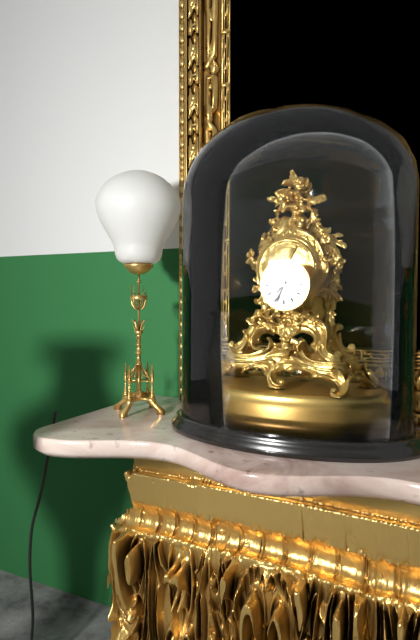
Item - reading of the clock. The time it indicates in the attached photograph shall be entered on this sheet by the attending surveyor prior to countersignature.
7:34
